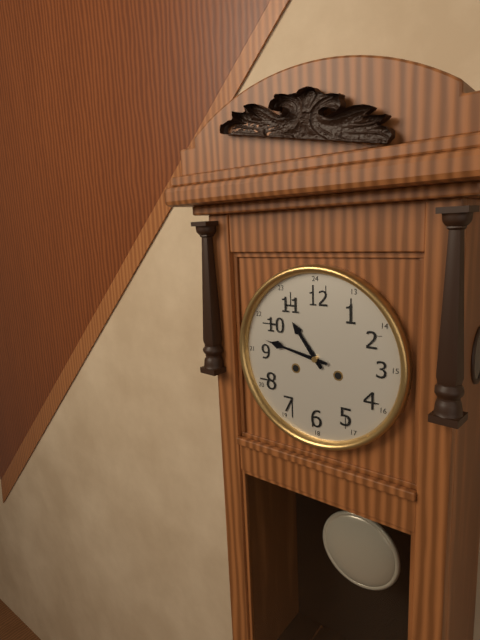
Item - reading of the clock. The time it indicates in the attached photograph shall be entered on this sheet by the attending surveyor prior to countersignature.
10:47
